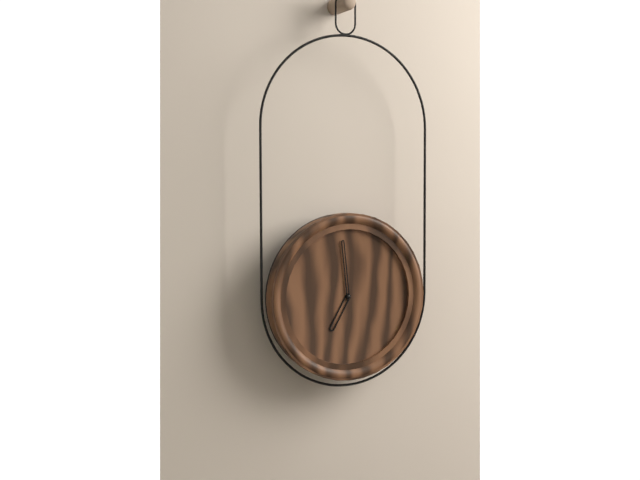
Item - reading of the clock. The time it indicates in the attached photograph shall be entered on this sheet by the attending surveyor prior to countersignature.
6:59
